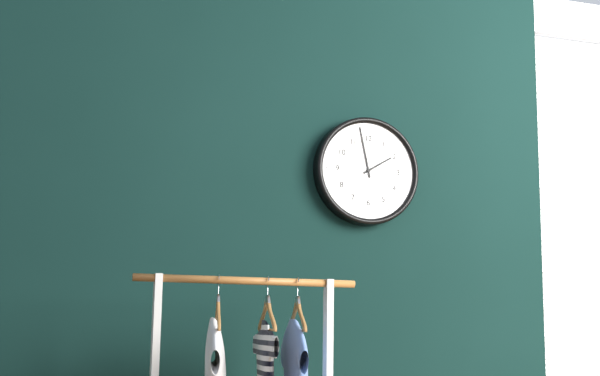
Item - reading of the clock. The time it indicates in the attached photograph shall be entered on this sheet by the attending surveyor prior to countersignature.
1:58
